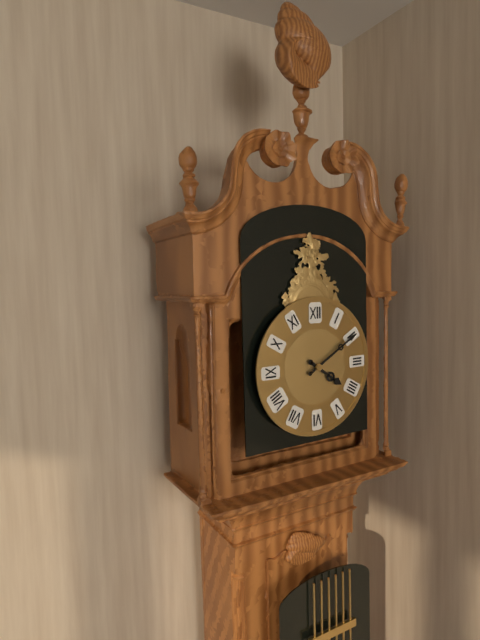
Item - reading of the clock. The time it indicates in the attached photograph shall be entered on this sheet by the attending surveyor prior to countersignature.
4:10
